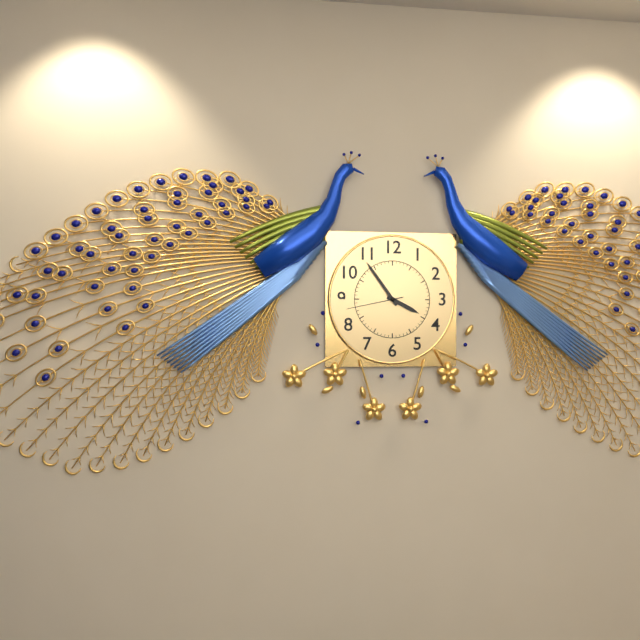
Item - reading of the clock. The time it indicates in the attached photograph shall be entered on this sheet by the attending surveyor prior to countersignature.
3:54:43
